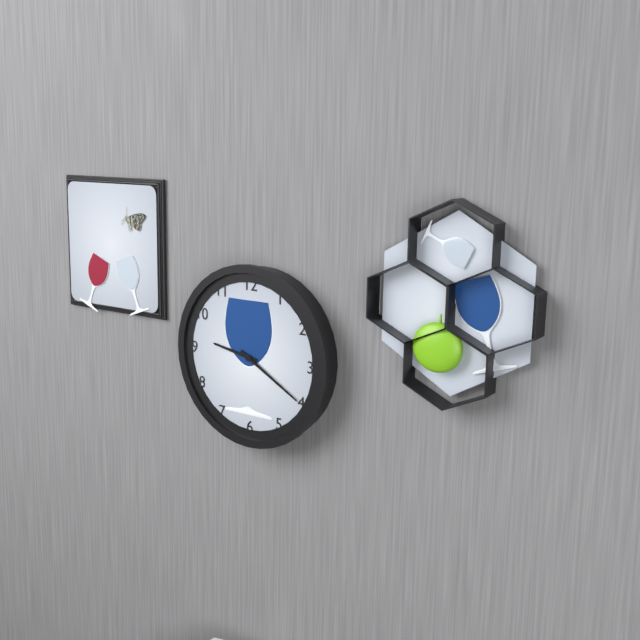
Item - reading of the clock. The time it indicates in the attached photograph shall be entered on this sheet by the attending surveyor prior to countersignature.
9:20
